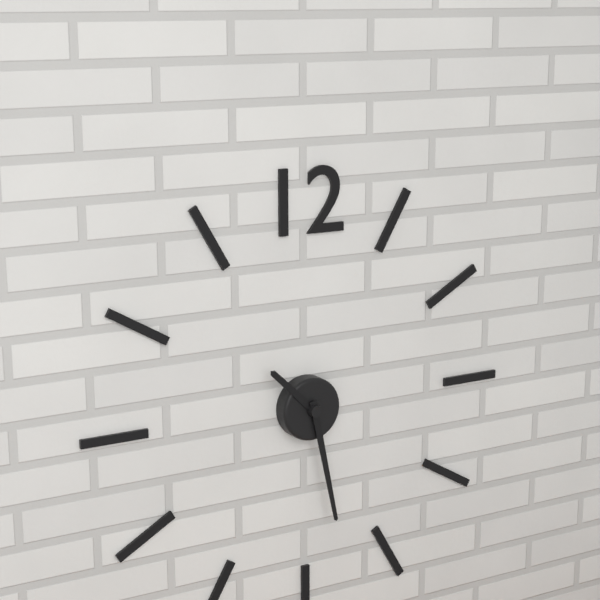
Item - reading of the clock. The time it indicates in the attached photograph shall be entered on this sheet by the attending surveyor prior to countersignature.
10:28
